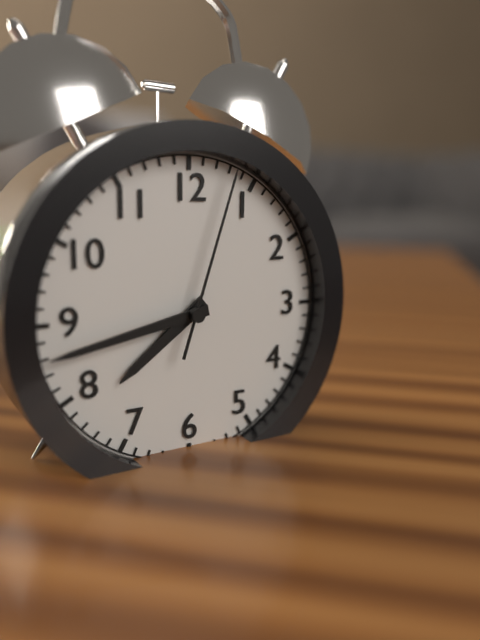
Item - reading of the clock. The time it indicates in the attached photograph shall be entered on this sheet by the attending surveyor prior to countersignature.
7:43:03
